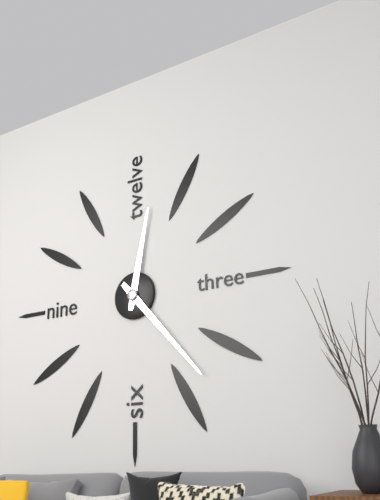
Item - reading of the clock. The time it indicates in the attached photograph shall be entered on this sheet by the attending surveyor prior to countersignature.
12:23
